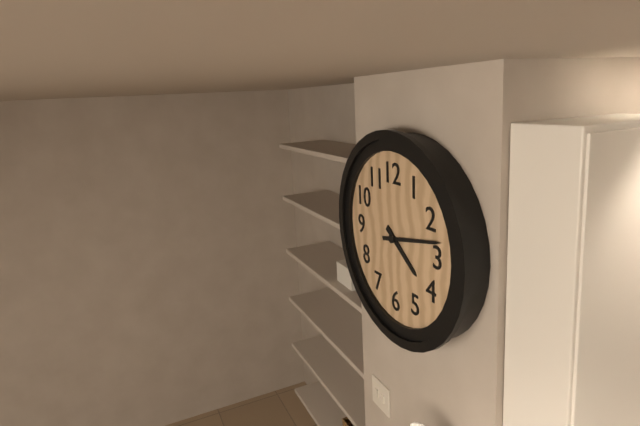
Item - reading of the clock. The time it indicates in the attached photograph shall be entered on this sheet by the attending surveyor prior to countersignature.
4:13
